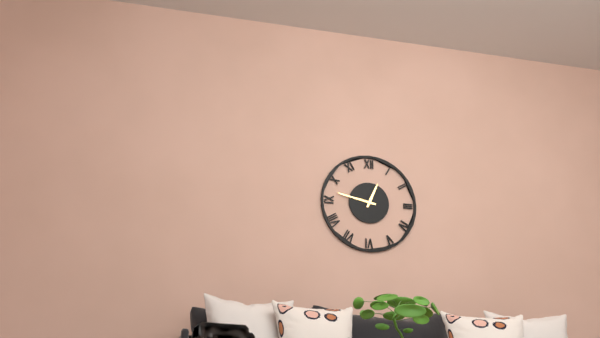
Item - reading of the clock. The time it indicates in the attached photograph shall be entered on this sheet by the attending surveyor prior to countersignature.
12:47
